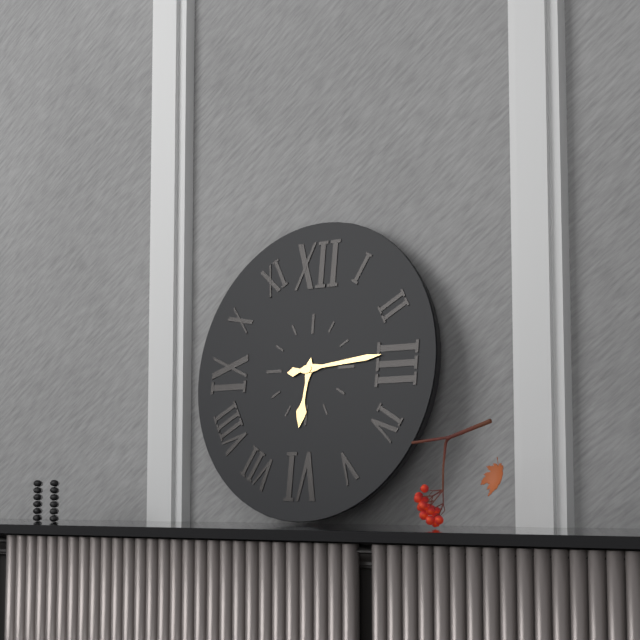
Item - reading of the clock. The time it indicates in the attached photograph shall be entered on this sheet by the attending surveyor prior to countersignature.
6:14
